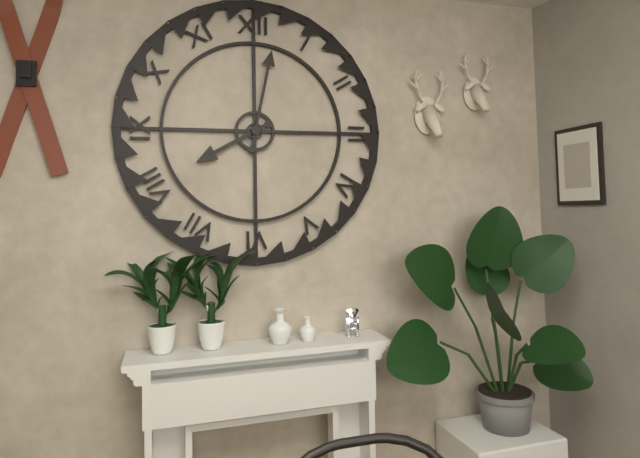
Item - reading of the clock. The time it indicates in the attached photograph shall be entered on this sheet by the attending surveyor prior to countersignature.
8:02
